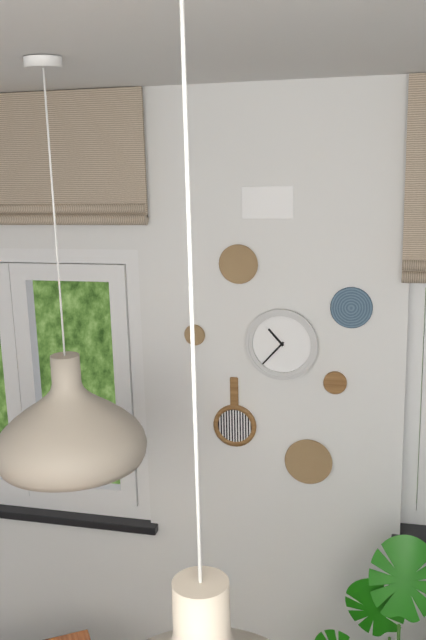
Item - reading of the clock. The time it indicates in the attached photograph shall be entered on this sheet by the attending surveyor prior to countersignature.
10:37
